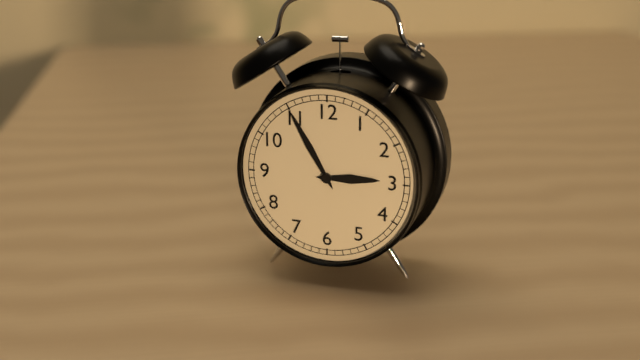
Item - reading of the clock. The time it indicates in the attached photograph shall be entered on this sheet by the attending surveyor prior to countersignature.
2:55
